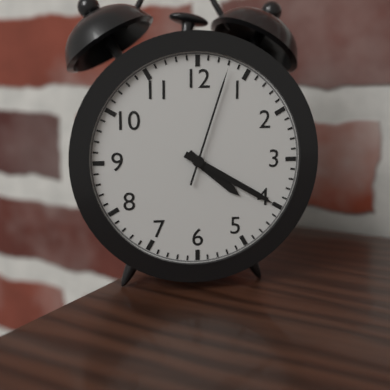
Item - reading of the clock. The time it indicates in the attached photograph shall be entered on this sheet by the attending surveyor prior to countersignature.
4:20:03
